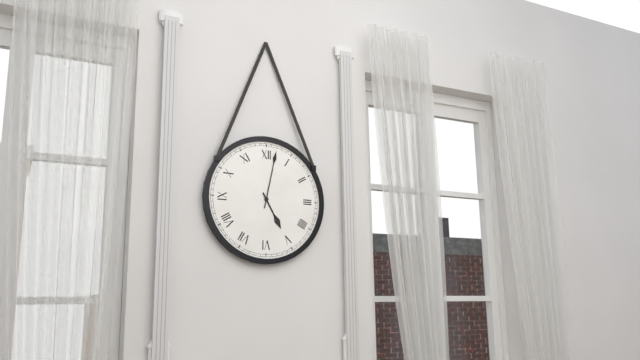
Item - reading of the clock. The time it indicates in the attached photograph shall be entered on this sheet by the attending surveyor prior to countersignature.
5:02
